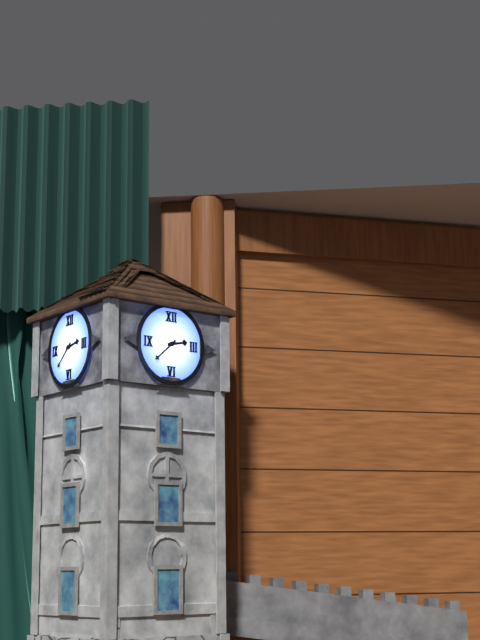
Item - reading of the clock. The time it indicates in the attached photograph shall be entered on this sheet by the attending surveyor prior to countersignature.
2:38
